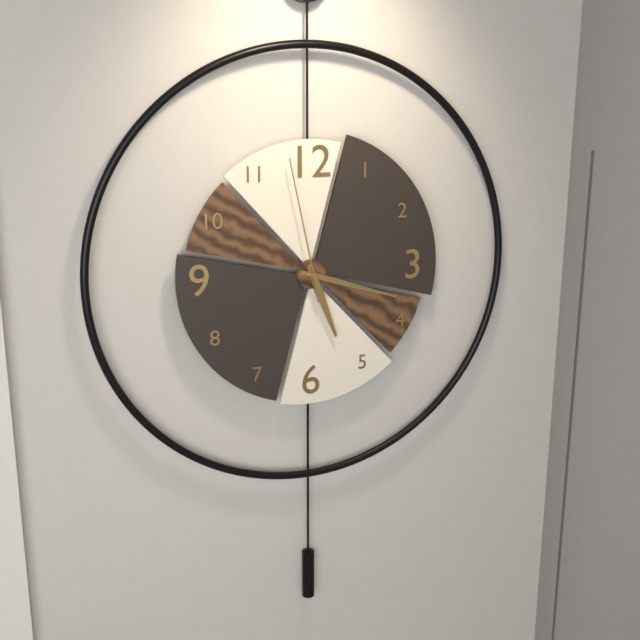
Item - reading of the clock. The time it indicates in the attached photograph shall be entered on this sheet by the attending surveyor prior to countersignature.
5:18:58
